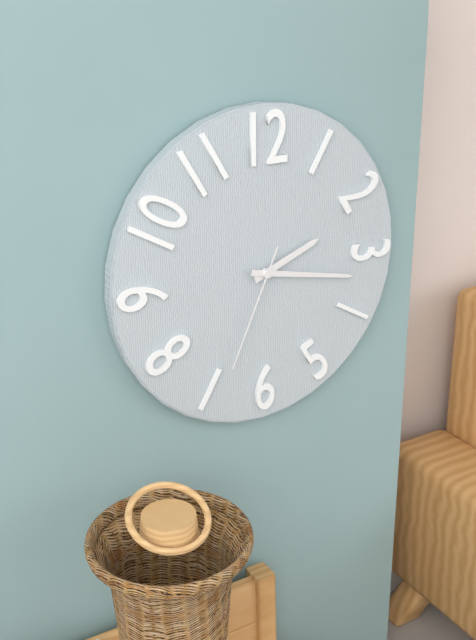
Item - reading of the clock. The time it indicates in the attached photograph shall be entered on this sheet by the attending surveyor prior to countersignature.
2:17:34
